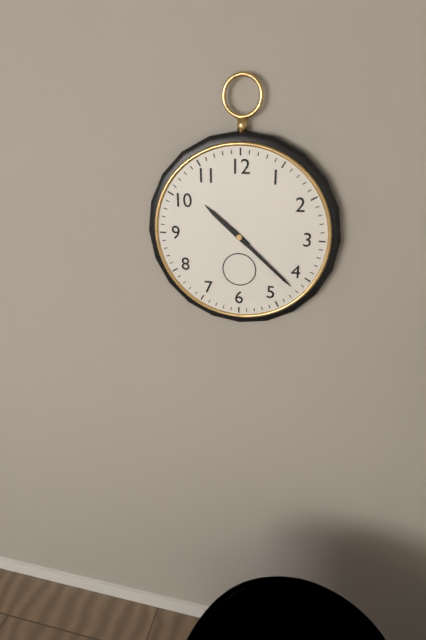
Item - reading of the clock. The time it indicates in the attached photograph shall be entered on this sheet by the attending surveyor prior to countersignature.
10:22
